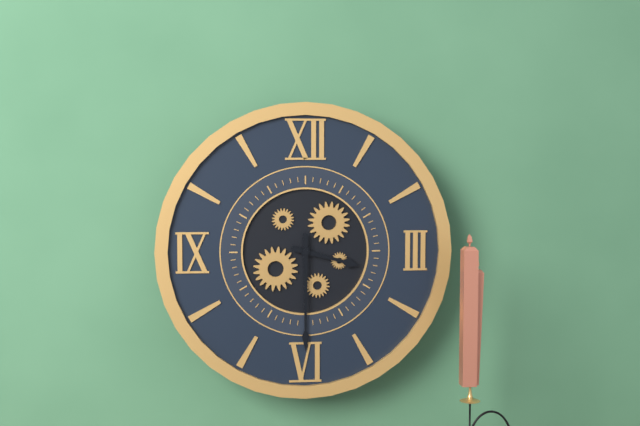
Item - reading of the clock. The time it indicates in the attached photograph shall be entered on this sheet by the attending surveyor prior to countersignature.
3:30
